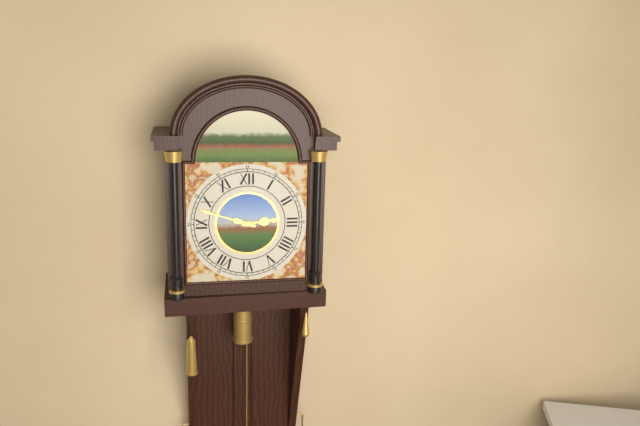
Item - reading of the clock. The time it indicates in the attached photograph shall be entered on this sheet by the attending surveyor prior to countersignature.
2:48
